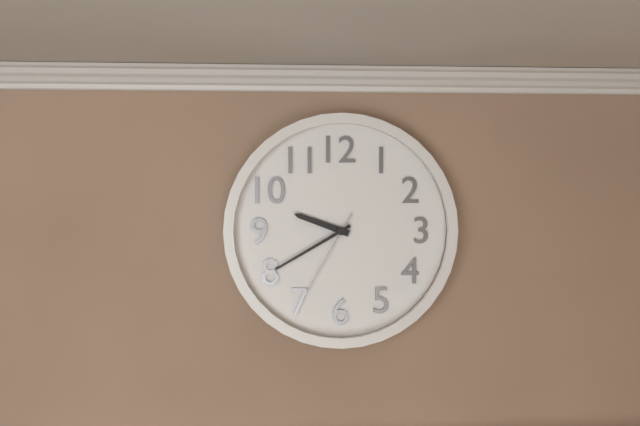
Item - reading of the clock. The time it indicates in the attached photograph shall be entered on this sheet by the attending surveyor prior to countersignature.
9:40:35
